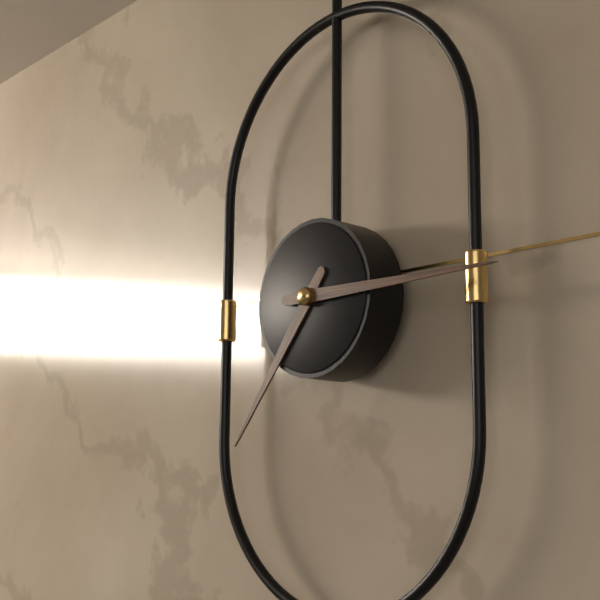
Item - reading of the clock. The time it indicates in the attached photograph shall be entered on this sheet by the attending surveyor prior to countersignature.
7:15
